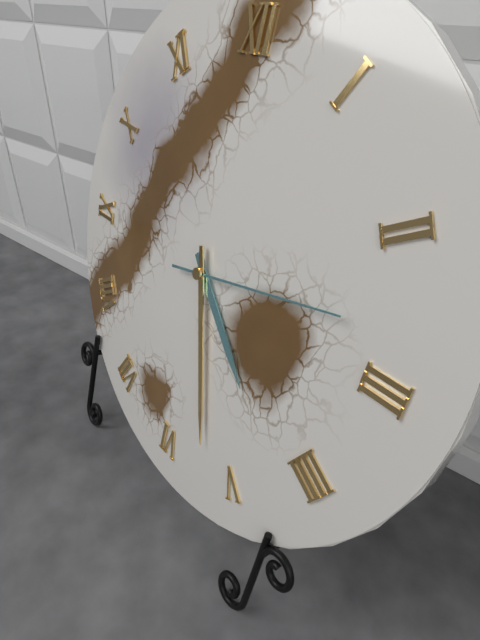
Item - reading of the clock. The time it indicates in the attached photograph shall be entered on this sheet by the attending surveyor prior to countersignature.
4:27:13
